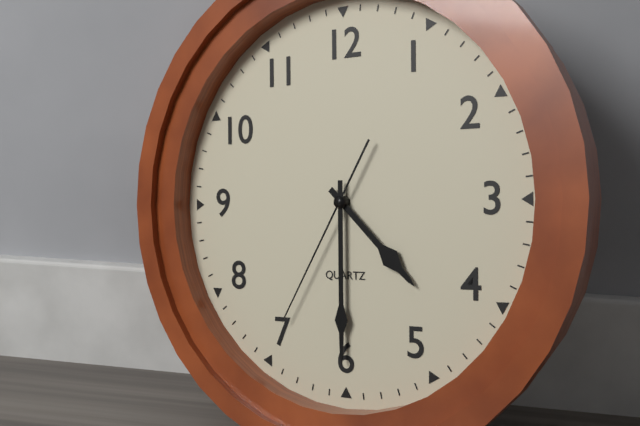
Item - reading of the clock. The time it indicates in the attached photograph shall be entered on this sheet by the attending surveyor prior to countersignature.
4:30:35
